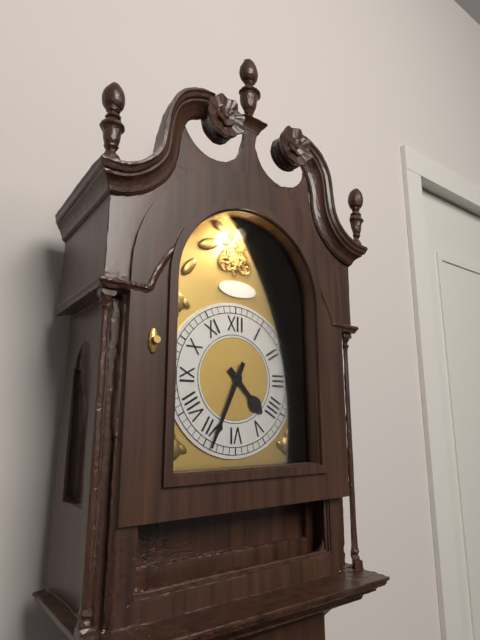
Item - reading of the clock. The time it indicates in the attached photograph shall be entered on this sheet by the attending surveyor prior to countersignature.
4:34
